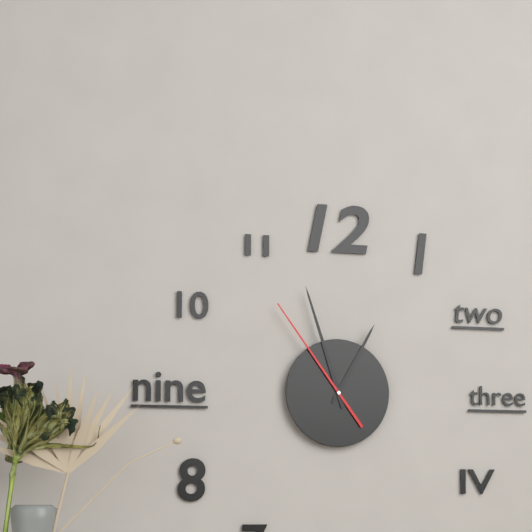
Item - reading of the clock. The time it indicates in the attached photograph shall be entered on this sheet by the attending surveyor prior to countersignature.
12:57:54
